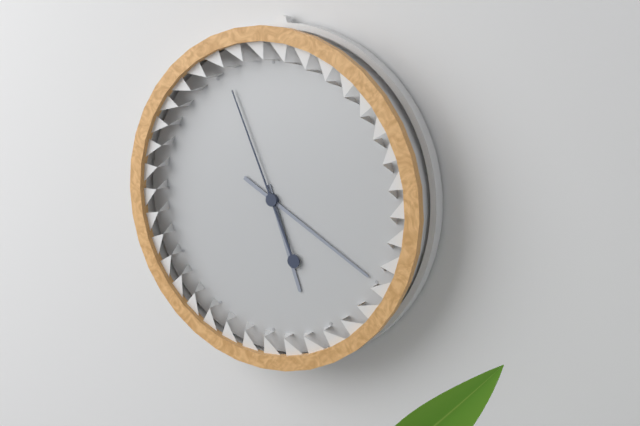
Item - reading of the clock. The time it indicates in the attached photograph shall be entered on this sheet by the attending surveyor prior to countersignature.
5:20:56
